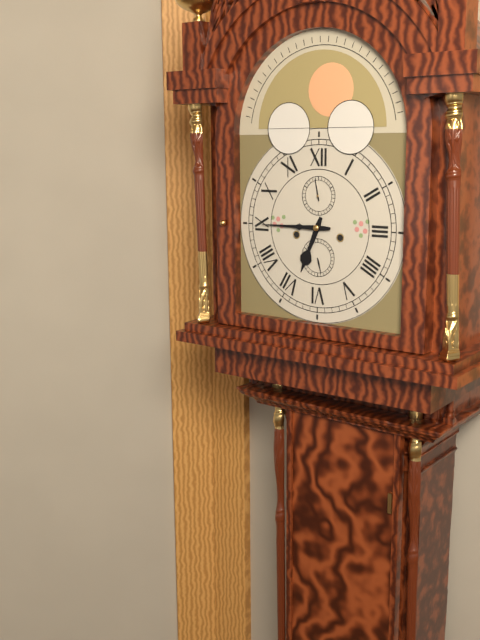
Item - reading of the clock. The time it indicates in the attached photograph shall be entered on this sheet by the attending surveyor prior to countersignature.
6:45
